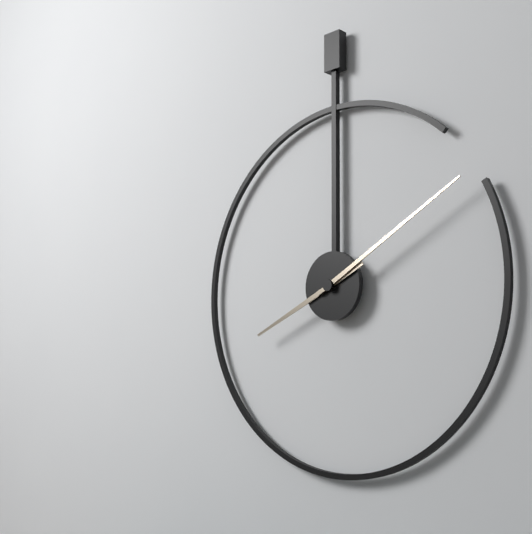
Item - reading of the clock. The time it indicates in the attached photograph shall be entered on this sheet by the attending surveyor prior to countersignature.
8:10
